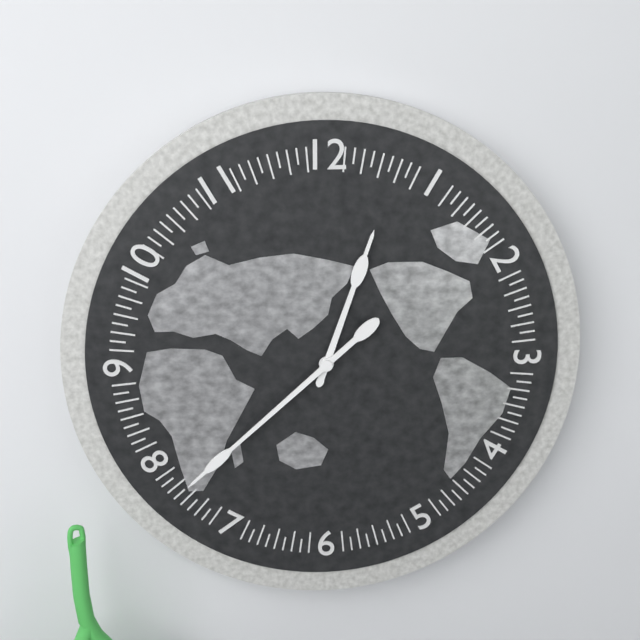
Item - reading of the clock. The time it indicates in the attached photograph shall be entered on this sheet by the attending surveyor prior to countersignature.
12:38
